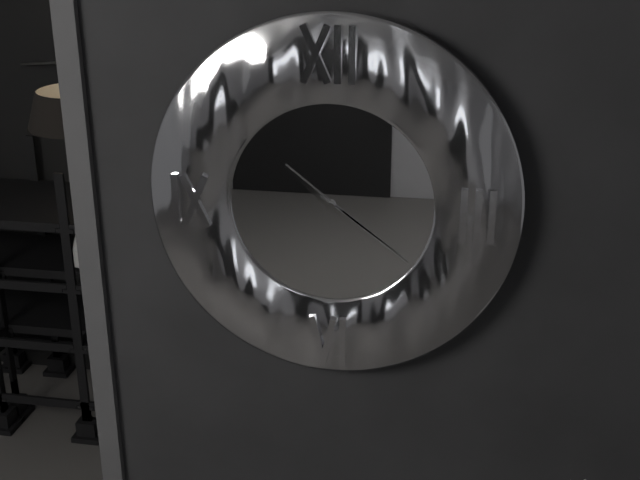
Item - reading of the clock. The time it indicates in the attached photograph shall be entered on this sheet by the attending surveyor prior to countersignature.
10:21
